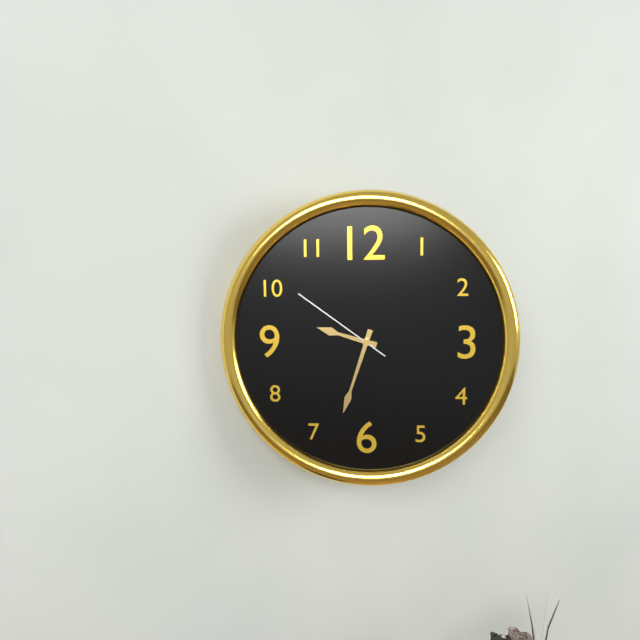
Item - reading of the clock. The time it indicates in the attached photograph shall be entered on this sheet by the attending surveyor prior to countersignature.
9:33:51
